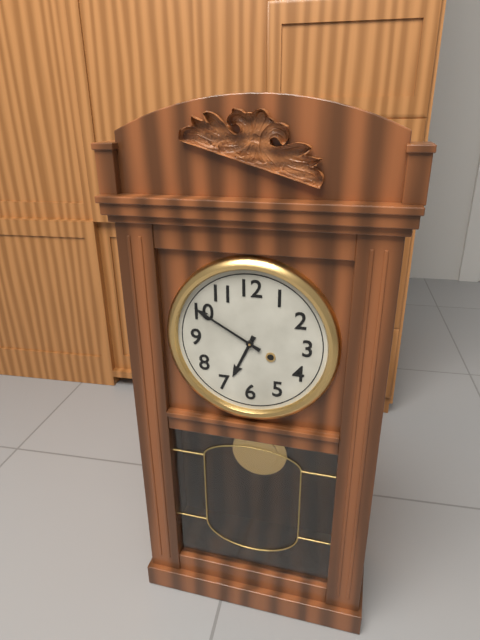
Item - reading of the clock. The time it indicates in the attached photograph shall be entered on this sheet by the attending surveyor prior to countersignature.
6:50
